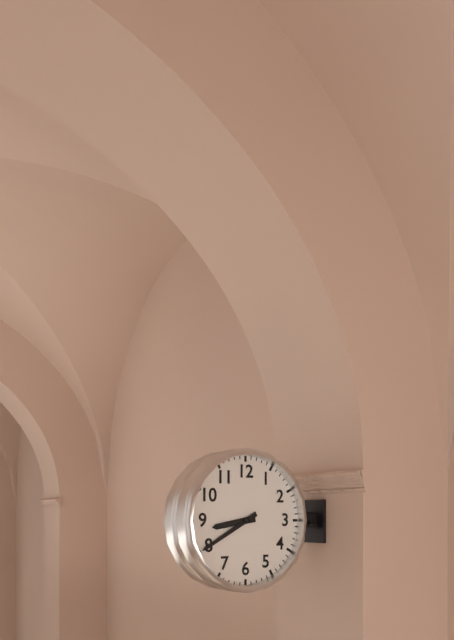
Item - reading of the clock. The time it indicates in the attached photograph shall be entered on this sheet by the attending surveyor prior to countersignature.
8:40
